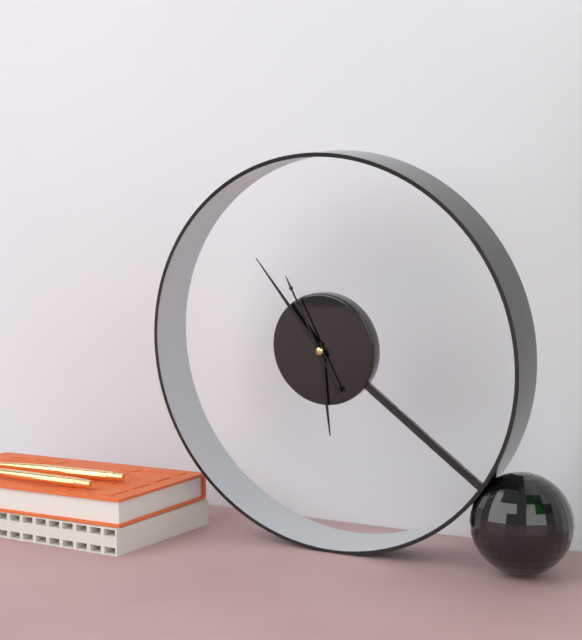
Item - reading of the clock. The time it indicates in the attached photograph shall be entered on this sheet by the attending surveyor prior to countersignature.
5:54:56
